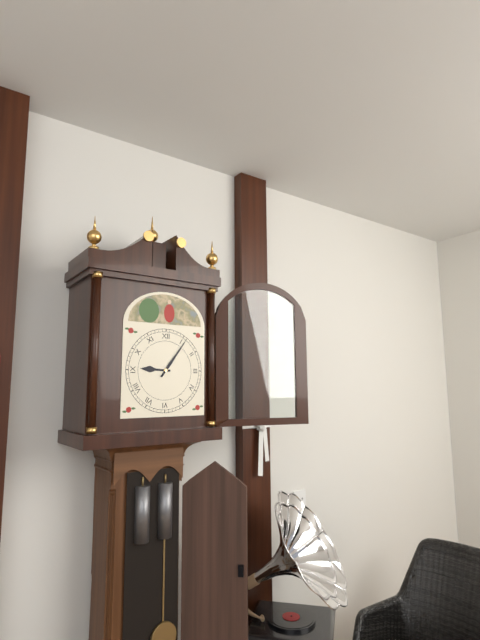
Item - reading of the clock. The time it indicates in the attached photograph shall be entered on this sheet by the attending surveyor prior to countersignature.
9:06
